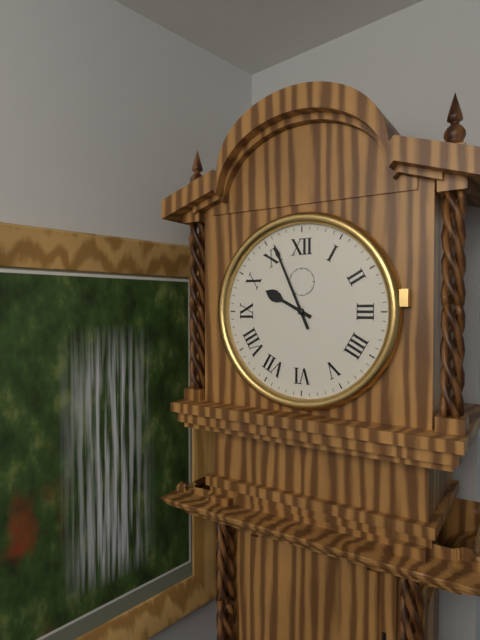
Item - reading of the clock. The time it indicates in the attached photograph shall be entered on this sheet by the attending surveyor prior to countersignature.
9:56
